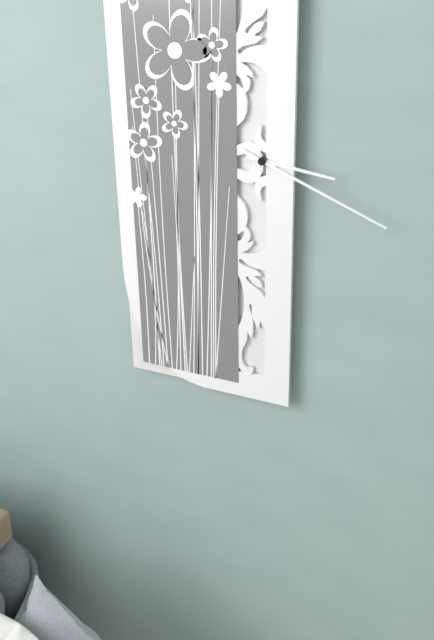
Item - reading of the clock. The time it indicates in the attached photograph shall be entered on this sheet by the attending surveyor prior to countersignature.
3:19
